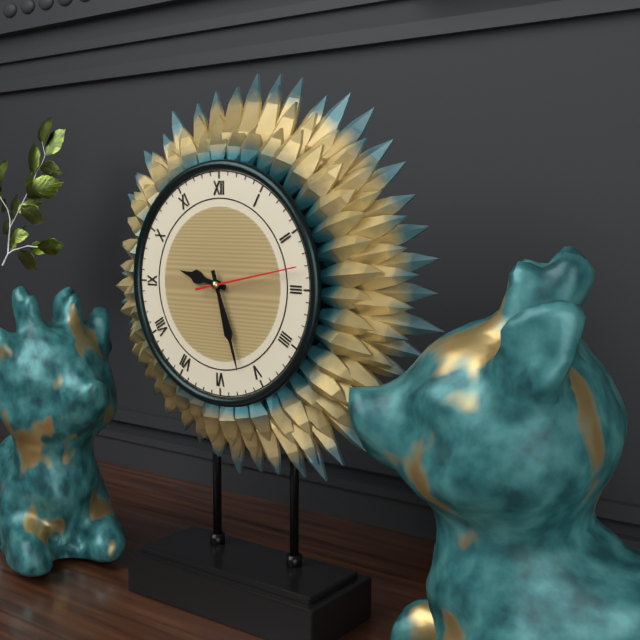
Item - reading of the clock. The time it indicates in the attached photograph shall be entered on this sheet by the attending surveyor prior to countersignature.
9:27:13
